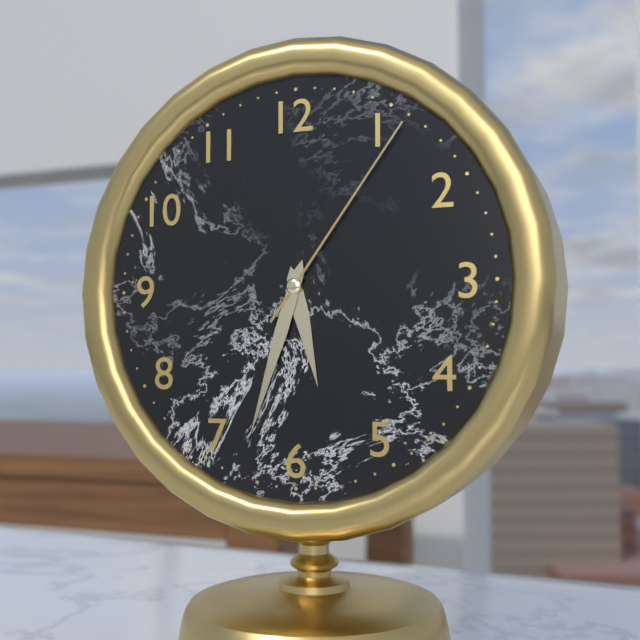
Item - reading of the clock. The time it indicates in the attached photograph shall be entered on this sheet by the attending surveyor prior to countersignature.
5:33:06
